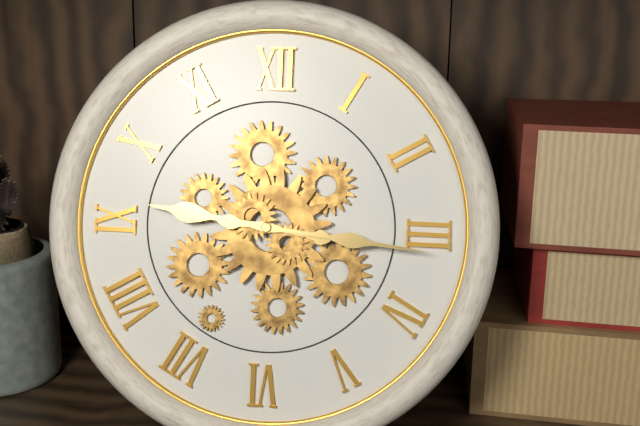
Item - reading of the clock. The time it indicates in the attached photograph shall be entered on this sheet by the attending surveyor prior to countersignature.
9:16
